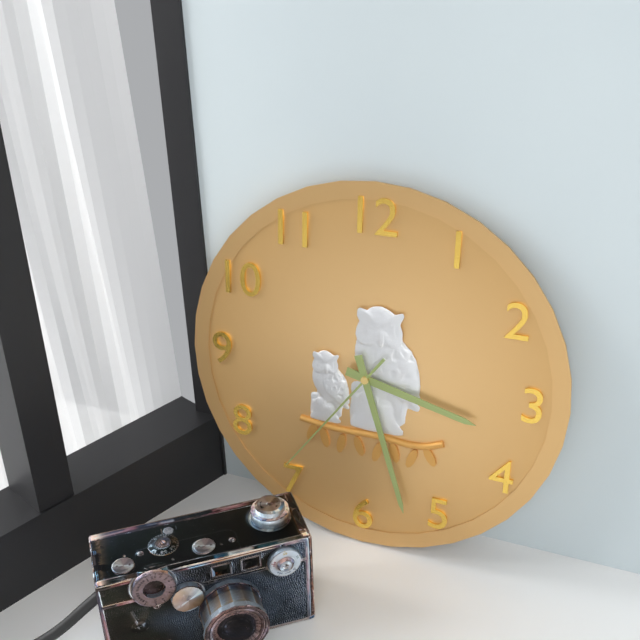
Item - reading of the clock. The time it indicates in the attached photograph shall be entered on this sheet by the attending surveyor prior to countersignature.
3:27:36
